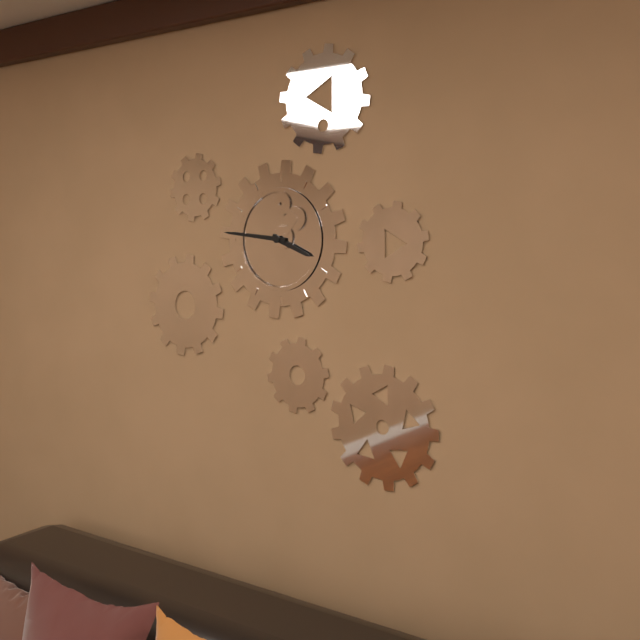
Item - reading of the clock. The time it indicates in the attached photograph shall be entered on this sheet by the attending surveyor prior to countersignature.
3:46
